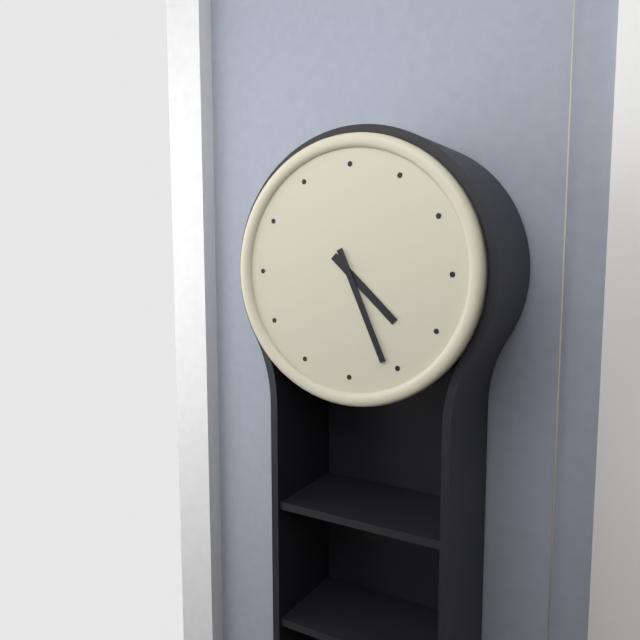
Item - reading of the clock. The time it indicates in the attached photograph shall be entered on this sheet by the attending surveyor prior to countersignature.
4:26
